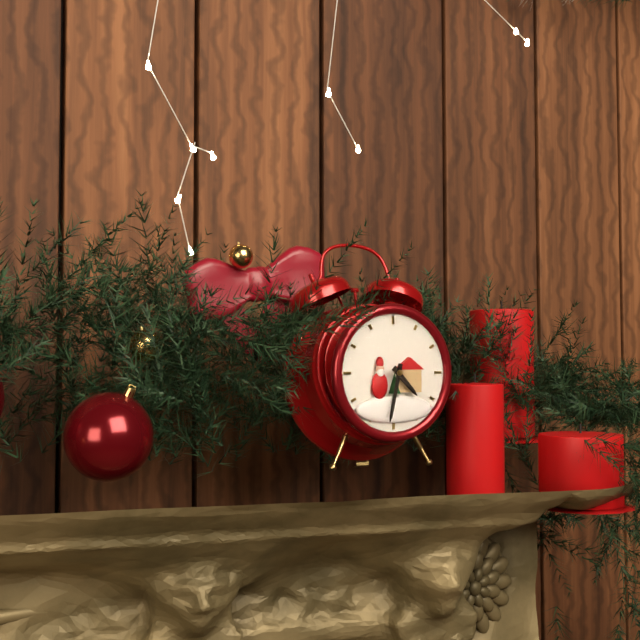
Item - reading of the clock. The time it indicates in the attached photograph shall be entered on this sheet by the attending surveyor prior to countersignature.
4:32
